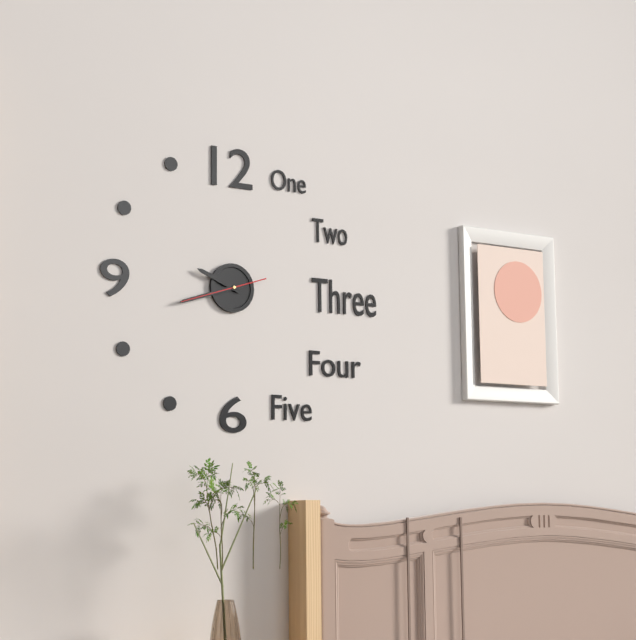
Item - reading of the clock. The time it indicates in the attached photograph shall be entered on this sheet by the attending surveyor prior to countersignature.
9:42:42
